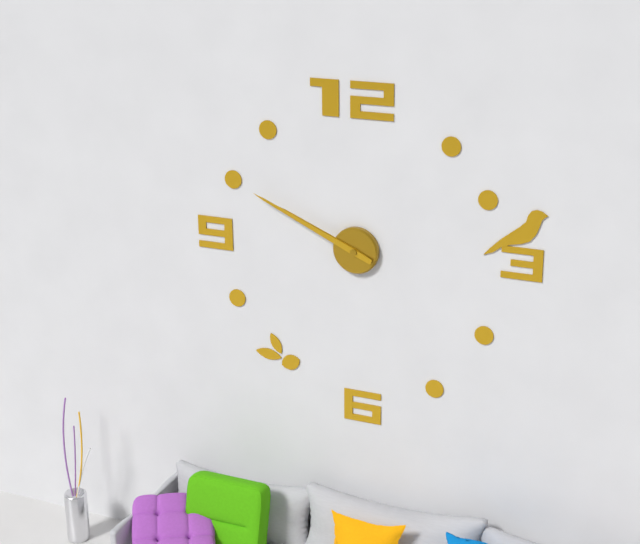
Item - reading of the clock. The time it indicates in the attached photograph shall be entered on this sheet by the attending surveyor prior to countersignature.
9:49
